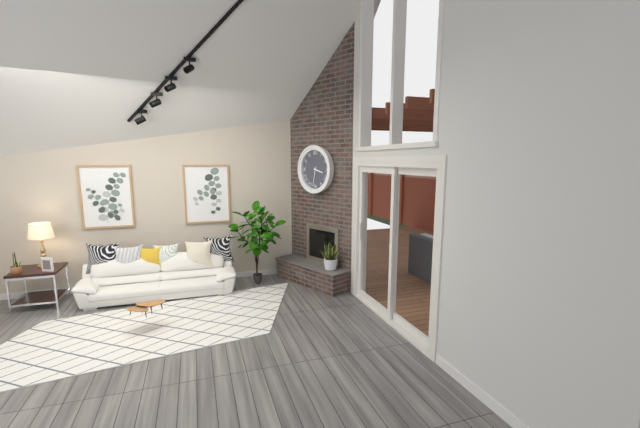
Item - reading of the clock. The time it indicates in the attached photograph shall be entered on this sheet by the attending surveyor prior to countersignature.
3:32
